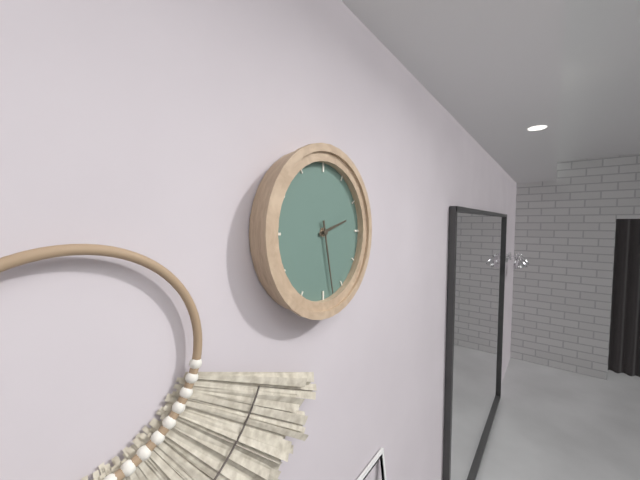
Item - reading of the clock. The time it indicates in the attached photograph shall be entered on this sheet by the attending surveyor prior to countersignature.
2:28
